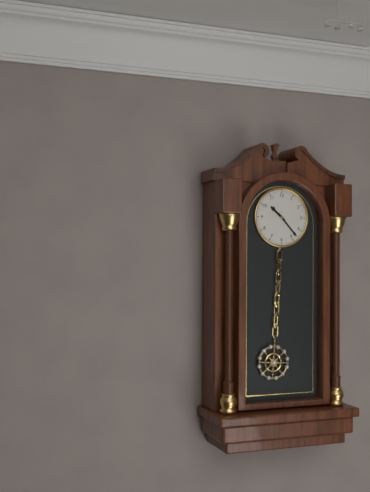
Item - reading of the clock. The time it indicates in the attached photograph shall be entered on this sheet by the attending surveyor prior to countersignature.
10:23
